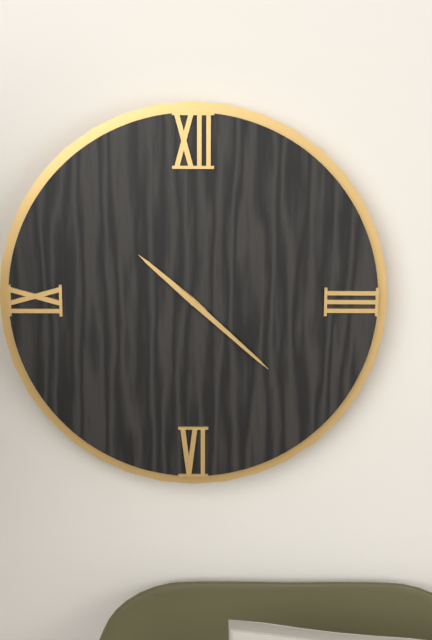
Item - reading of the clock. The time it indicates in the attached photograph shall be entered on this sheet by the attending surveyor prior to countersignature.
10:22
